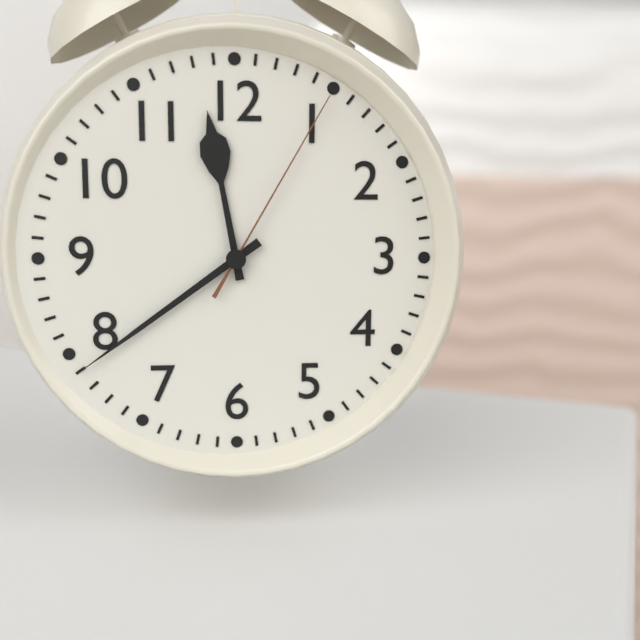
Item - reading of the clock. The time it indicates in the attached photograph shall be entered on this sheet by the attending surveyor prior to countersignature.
11:39:05
